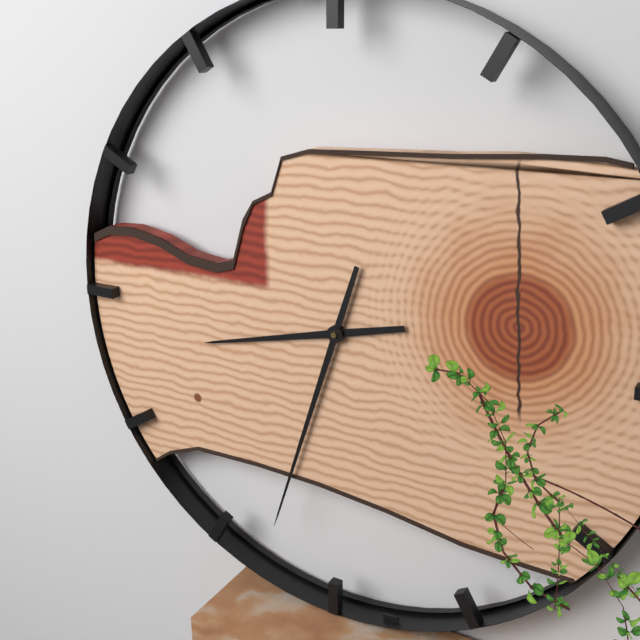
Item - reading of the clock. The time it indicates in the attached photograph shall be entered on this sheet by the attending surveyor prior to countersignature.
8:33
